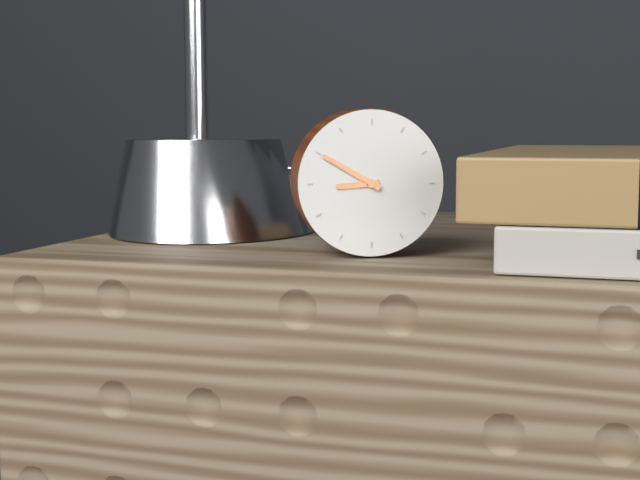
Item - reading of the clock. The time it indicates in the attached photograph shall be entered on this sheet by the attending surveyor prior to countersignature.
8:50
